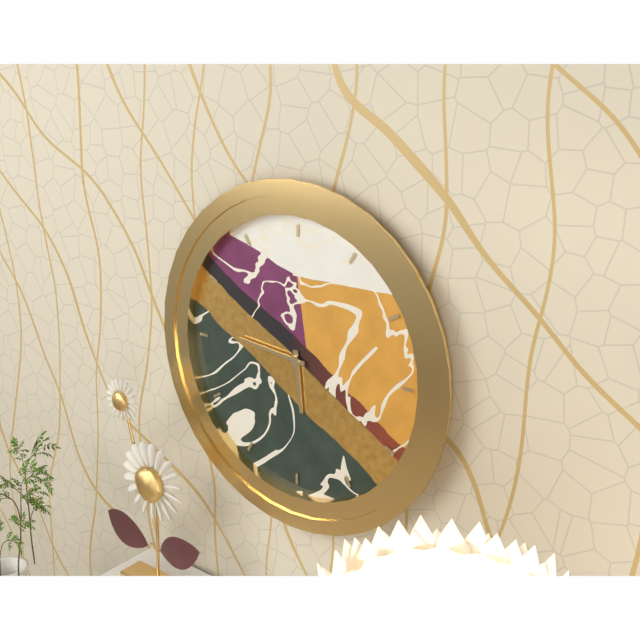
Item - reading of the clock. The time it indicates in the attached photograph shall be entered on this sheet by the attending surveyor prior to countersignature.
5:46
